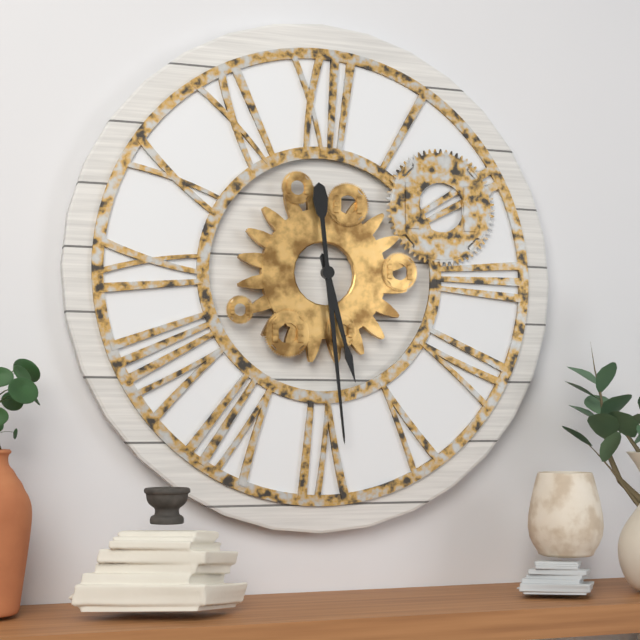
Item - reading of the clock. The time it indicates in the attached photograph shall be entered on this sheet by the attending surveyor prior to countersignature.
5:29
